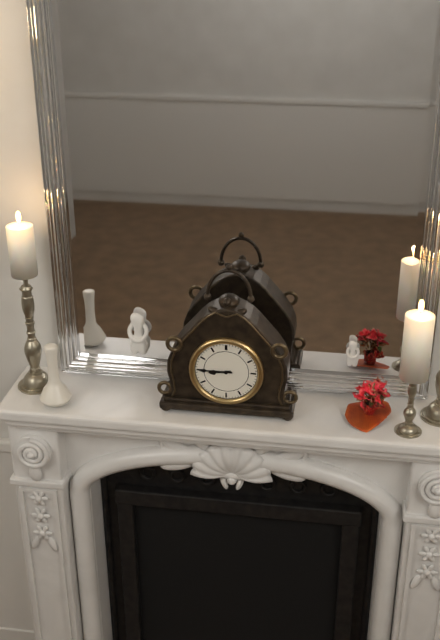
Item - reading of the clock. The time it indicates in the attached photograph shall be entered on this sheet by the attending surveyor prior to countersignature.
8:45
